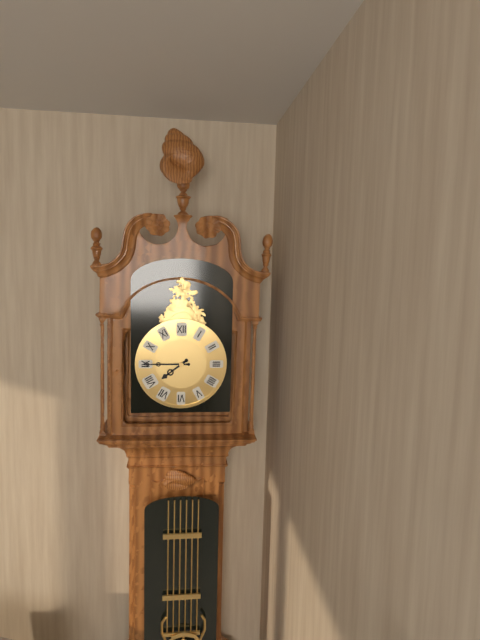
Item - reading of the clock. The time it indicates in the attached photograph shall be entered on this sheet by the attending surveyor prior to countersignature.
7:45
